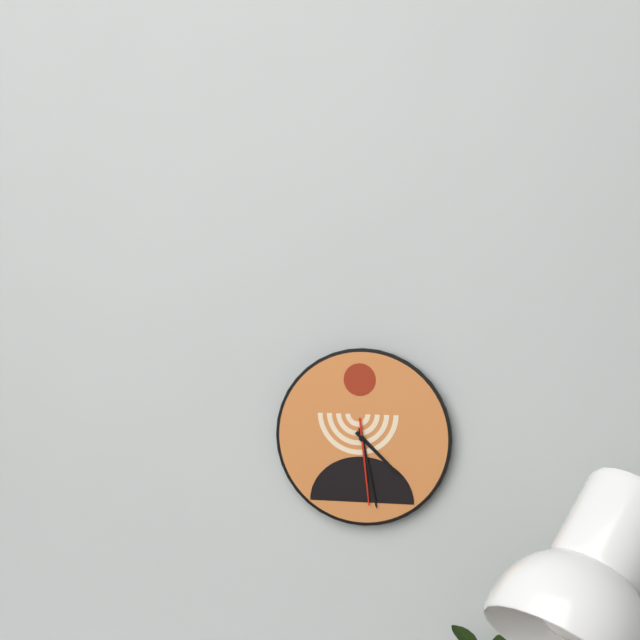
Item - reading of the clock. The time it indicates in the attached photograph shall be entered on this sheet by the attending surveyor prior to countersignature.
4:28:29
